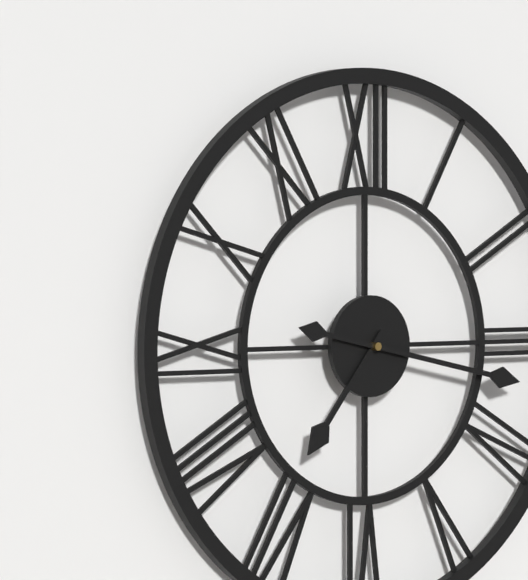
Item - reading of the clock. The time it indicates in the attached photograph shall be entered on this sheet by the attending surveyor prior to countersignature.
7:17
